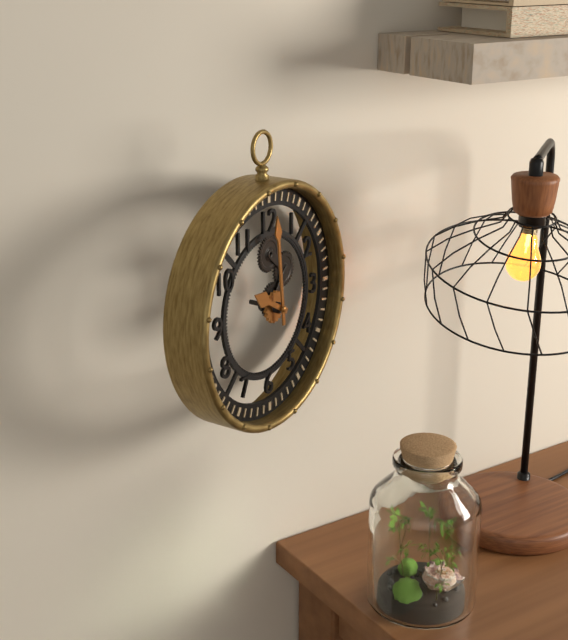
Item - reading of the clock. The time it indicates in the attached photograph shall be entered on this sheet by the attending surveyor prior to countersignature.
9:59
